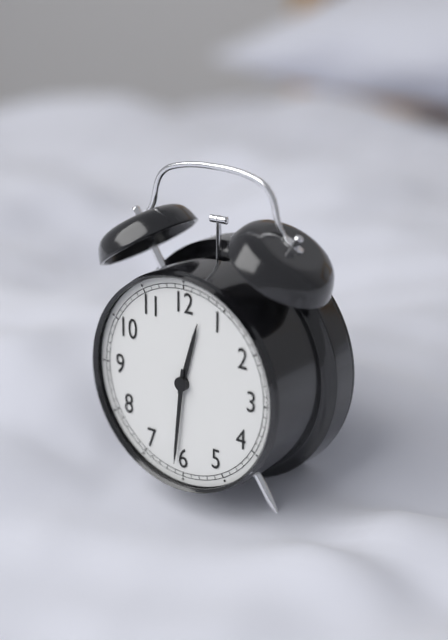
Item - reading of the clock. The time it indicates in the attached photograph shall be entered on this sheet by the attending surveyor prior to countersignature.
12:31
